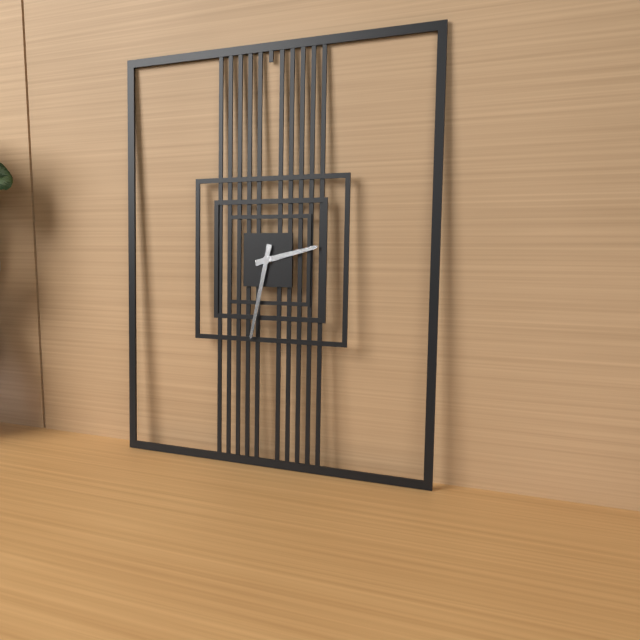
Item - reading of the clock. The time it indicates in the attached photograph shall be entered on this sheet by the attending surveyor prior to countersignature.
2:32
